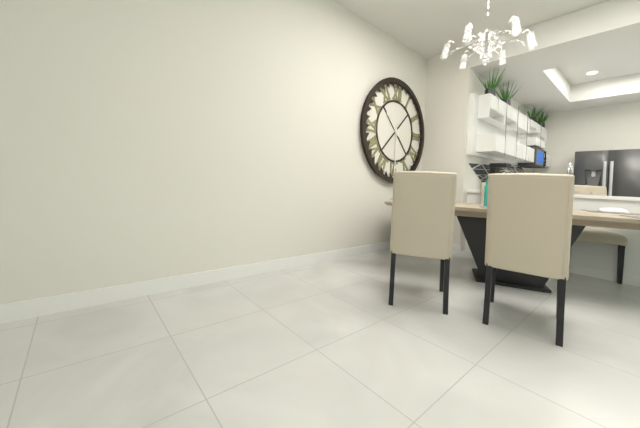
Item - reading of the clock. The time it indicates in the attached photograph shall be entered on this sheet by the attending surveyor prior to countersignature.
10:30
